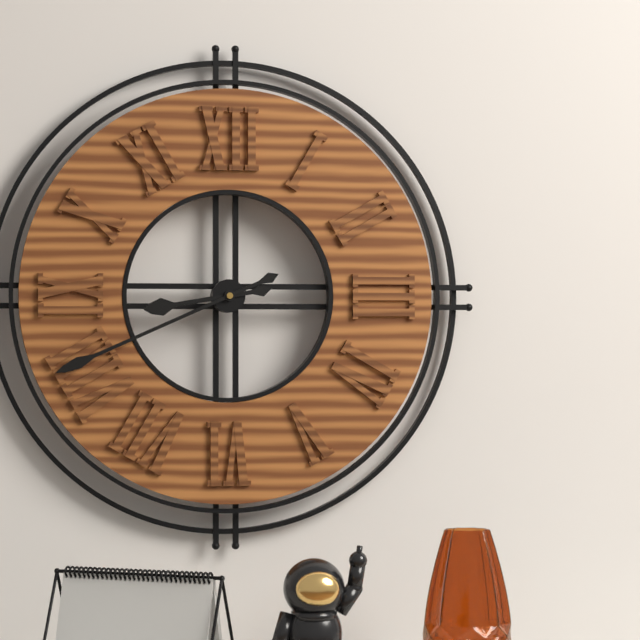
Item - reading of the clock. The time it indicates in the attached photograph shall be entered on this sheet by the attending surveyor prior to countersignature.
8:41
